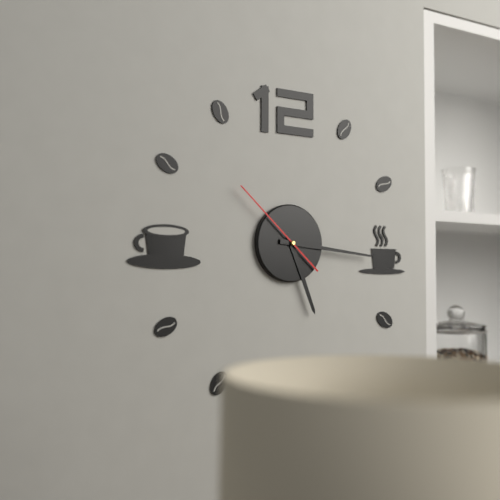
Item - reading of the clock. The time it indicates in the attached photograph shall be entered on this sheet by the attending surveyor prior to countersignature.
5:16:52
